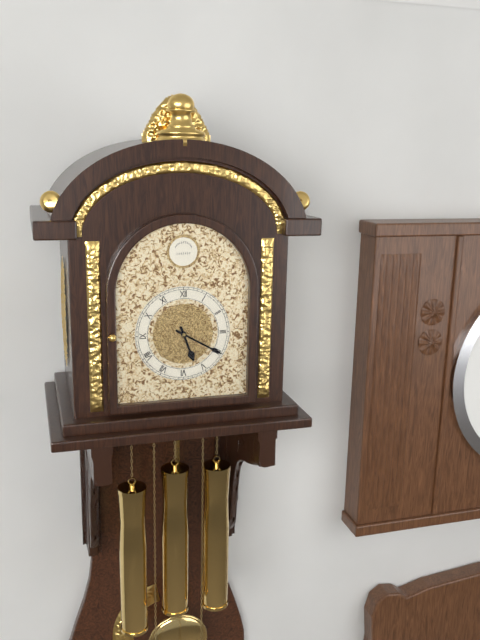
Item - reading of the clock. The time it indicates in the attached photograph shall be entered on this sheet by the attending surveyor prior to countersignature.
5:20
